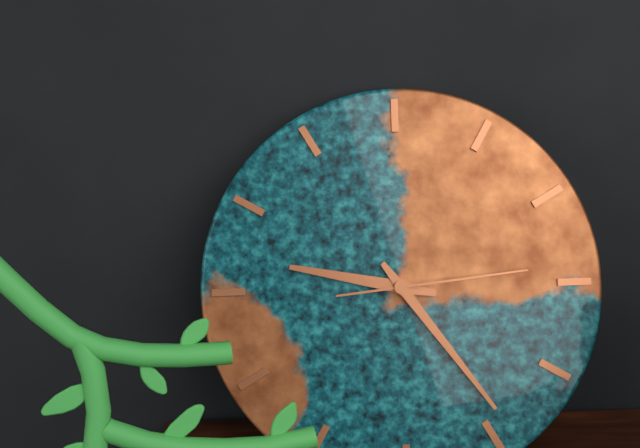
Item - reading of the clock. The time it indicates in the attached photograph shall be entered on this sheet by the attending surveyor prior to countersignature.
9:24:14
